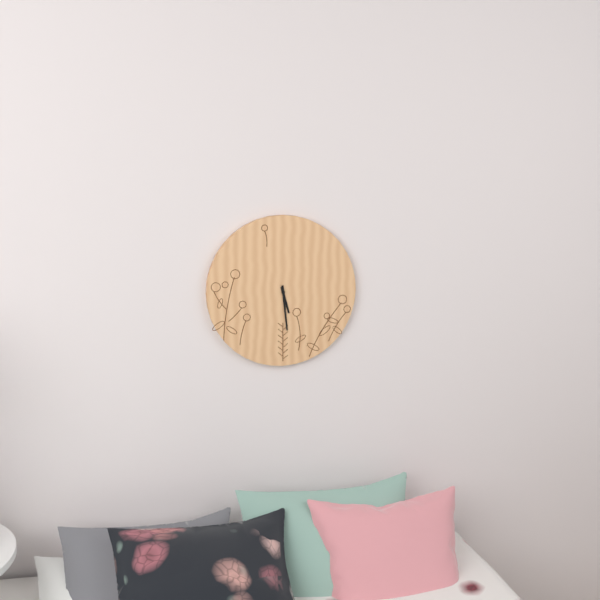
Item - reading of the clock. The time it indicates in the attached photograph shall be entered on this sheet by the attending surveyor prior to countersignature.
5:29
